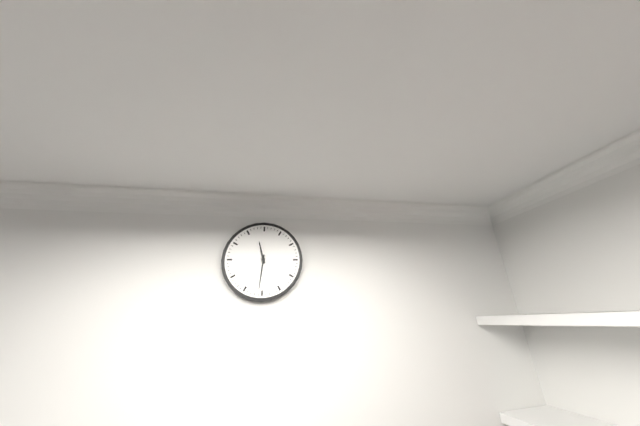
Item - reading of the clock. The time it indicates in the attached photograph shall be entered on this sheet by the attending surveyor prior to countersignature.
11:31
